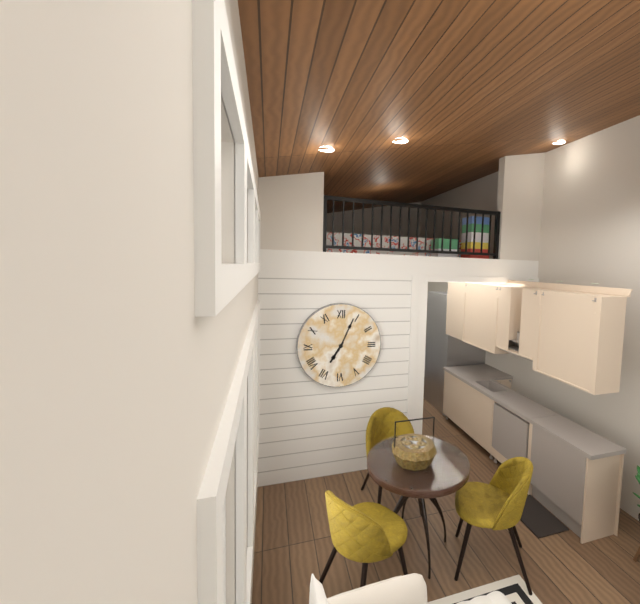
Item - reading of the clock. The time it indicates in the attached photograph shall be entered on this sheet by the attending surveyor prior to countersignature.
7:04
